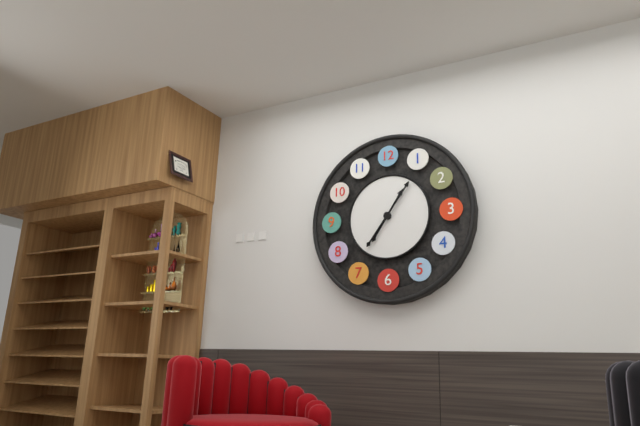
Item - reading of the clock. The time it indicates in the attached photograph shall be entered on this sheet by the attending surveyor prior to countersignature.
1:06
